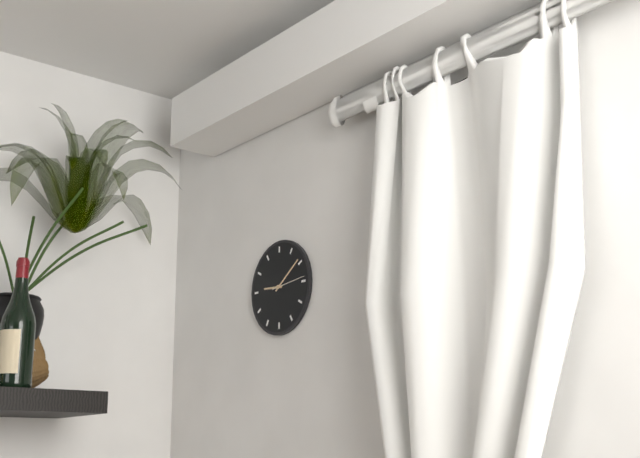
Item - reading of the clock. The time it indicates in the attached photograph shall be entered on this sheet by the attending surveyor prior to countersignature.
9:09
